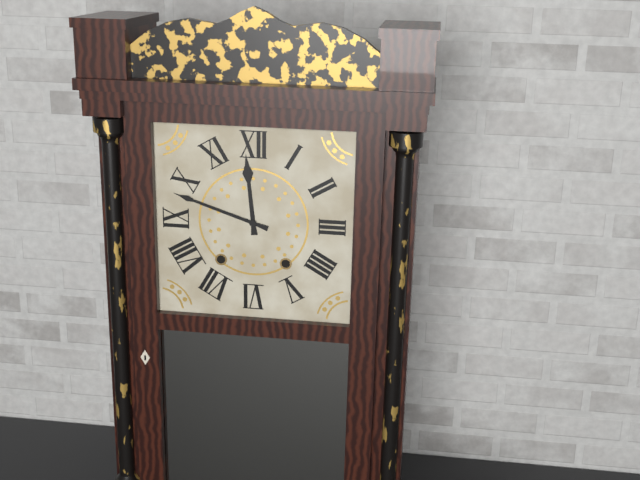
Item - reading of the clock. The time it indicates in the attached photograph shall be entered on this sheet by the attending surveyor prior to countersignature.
11:48
